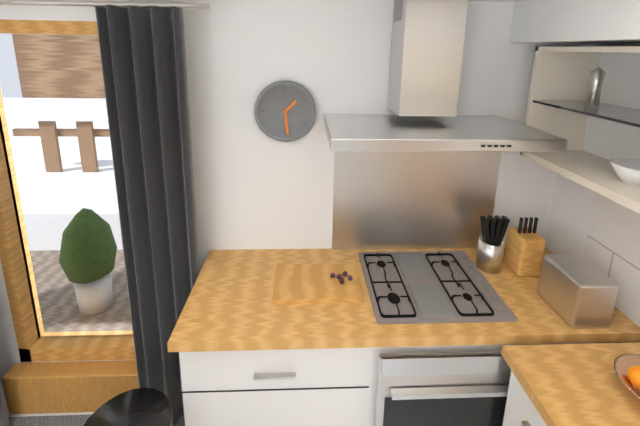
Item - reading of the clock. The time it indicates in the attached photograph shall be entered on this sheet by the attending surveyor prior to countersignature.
1:29
